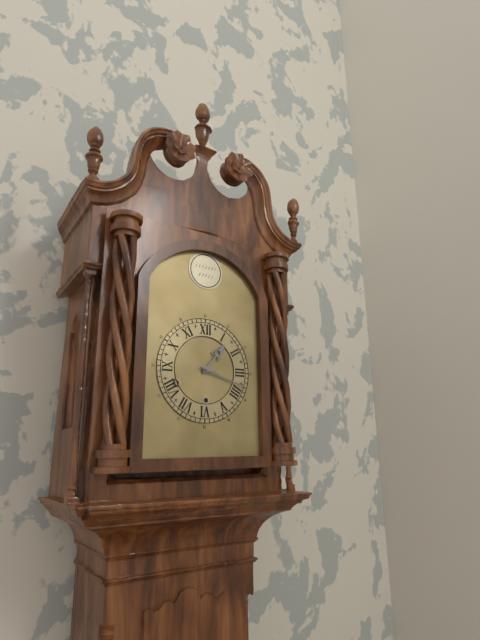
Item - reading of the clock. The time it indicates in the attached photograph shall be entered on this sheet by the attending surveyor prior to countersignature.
1:18
